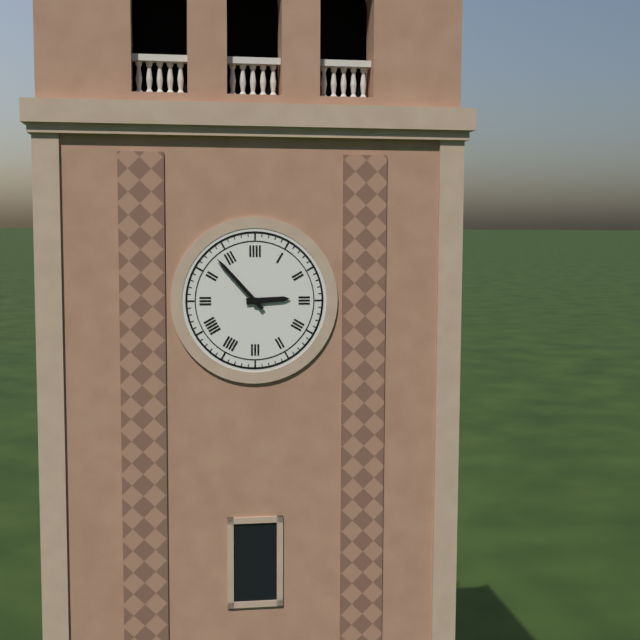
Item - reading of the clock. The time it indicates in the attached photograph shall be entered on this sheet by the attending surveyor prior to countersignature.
2:53
